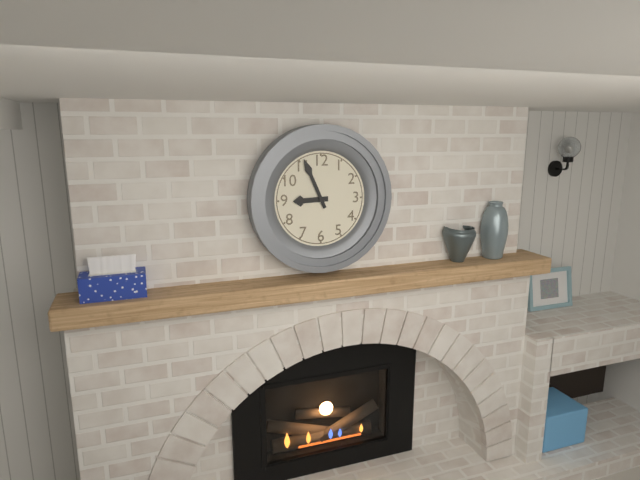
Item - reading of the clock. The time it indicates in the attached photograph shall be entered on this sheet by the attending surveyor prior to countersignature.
8:56
